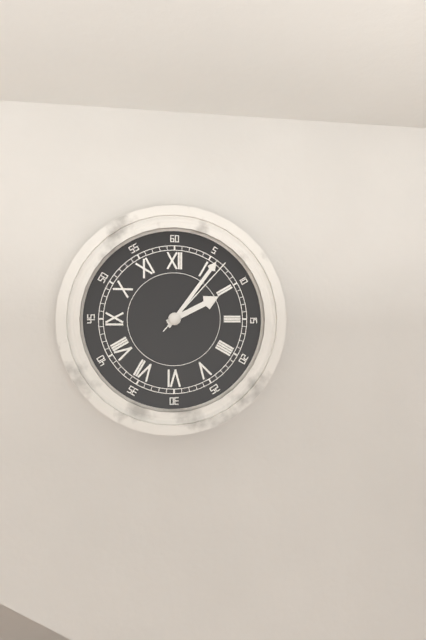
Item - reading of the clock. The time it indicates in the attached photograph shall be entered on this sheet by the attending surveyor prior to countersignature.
2:06:07
